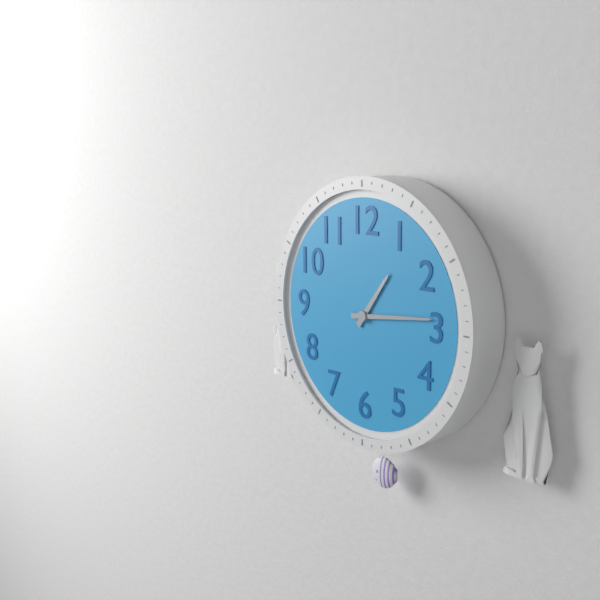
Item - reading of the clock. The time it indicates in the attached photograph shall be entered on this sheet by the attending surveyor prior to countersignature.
1:14
